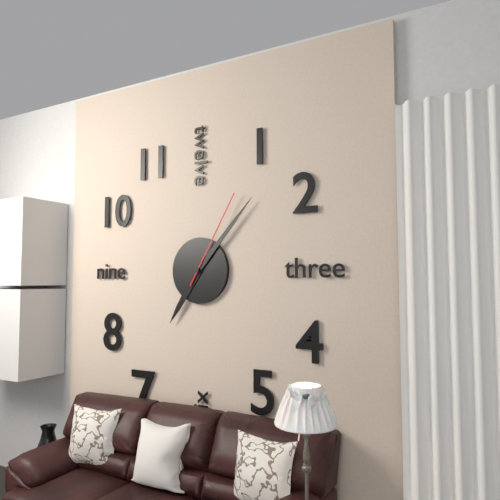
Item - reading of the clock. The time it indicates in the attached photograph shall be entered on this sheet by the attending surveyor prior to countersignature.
7:07:05
